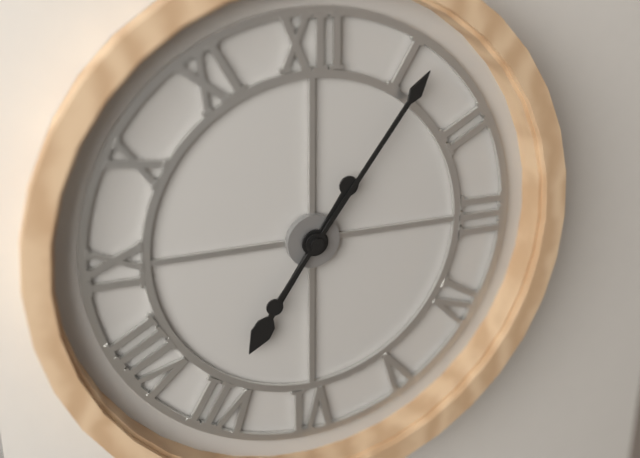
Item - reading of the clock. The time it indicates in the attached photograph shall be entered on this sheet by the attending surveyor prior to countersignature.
7:06
